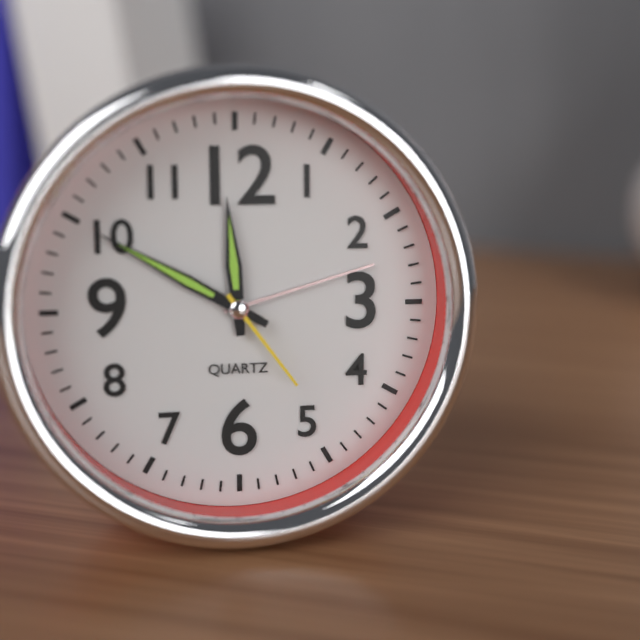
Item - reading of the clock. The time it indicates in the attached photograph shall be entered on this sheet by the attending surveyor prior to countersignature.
11:50:24
